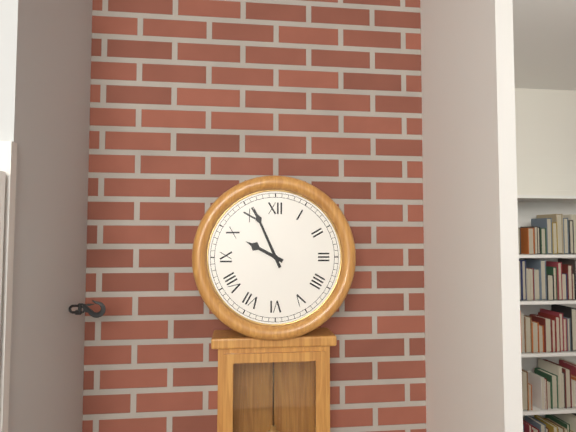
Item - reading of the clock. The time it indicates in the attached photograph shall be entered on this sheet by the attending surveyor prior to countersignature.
9:56
